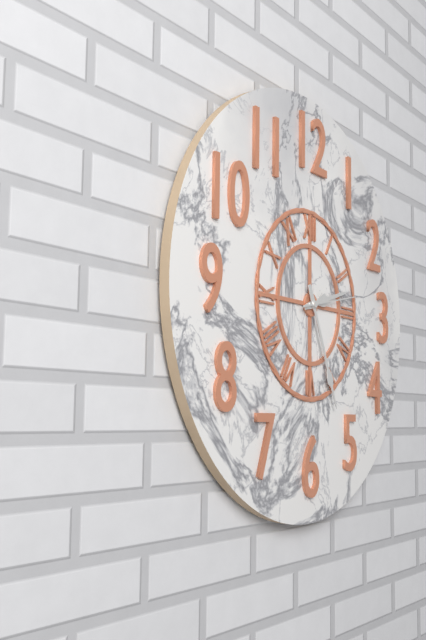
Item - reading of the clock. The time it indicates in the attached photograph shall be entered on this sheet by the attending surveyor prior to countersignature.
2:26:13
